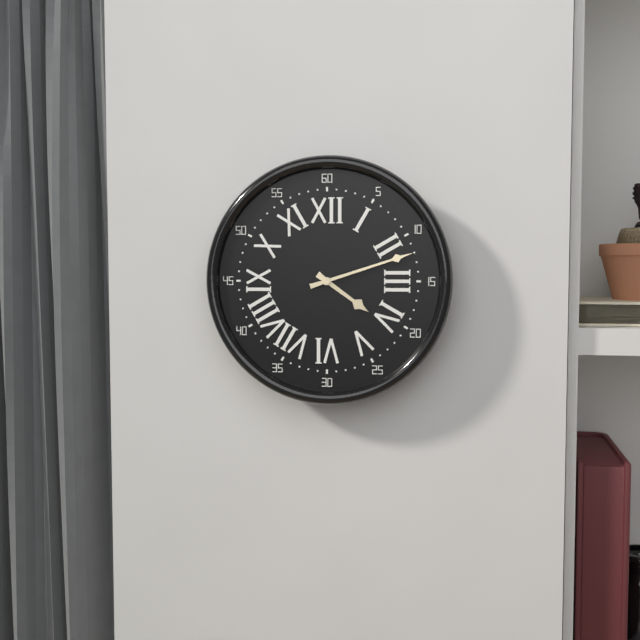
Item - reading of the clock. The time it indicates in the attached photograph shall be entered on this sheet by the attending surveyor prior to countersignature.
4:12
